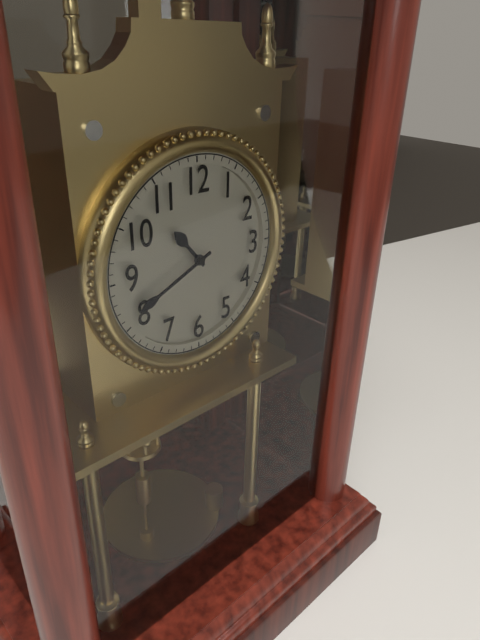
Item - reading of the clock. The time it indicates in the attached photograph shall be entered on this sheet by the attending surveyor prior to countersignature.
10:41
